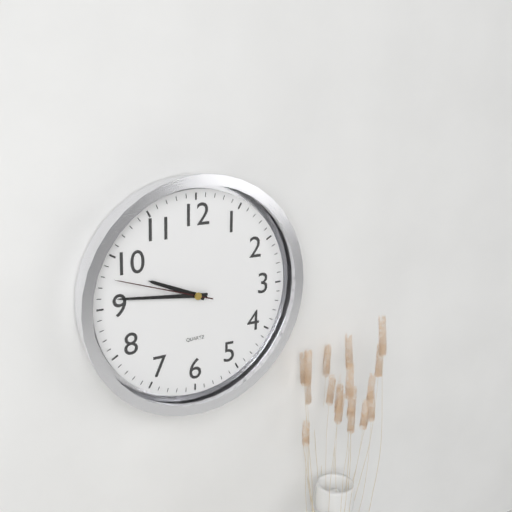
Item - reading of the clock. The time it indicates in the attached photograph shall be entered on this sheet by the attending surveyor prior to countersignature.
9:46:48
